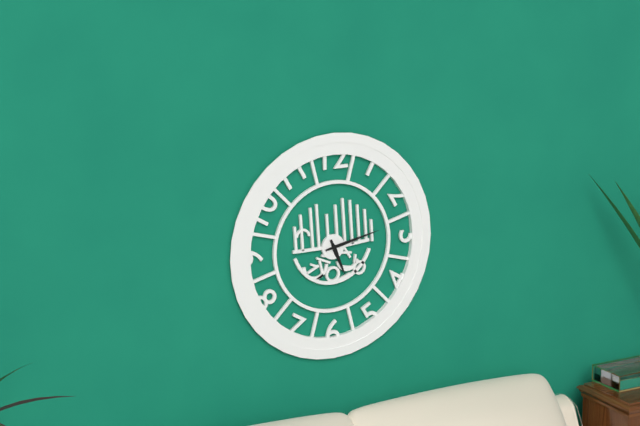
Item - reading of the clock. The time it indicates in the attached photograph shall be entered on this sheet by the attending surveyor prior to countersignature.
5:13
